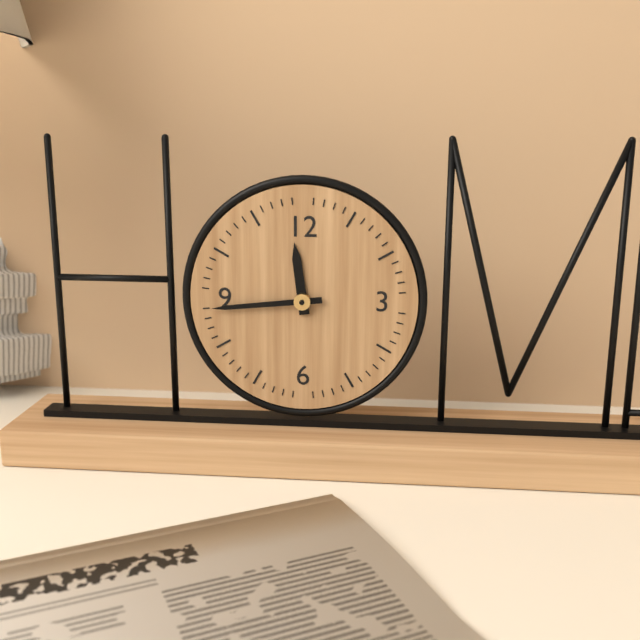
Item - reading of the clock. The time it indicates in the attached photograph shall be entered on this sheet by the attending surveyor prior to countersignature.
11:44
